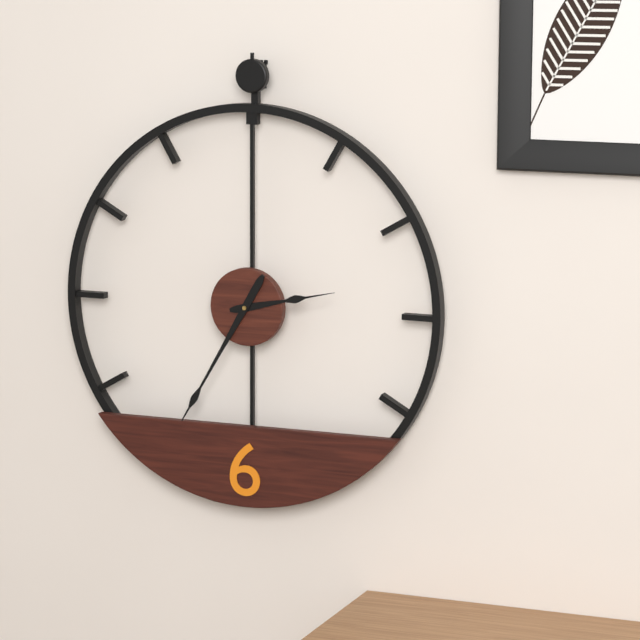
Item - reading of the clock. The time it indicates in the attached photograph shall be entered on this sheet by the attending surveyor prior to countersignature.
2:35
